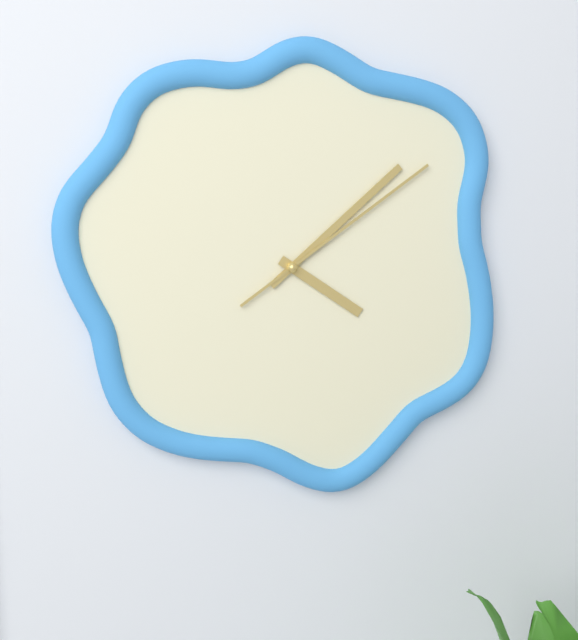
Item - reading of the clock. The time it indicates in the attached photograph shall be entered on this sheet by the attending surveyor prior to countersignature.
4:08:09
